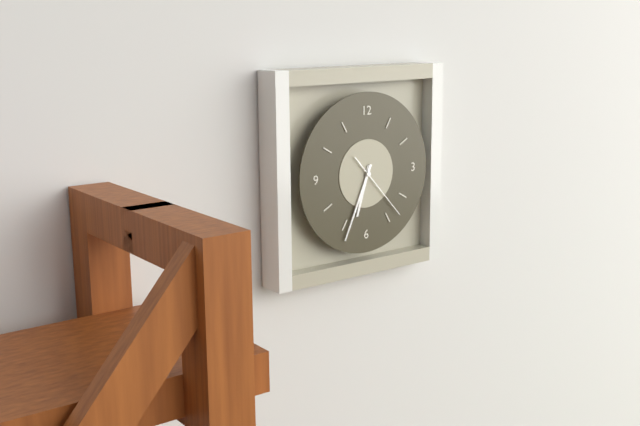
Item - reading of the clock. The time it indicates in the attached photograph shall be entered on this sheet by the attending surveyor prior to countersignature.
6:34:23
